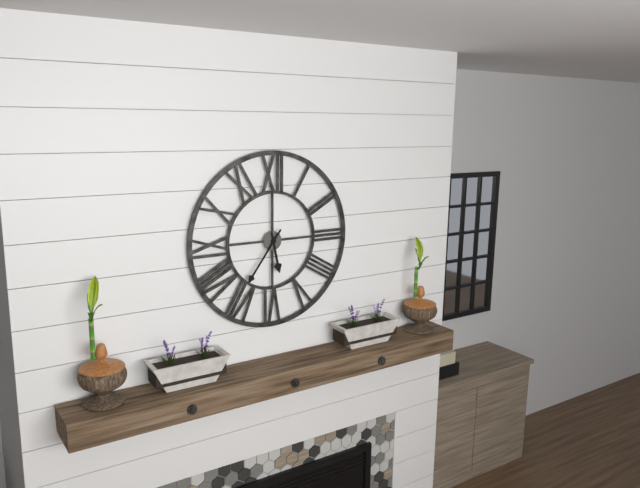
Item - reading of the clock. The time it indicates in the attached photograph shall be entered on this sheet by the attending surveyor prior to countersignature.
5:36
